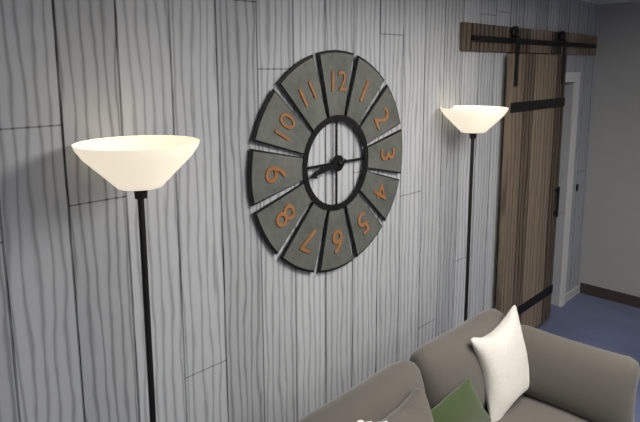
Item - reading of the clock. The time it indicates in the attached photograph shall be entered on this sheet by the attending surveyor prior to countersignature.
8:43
